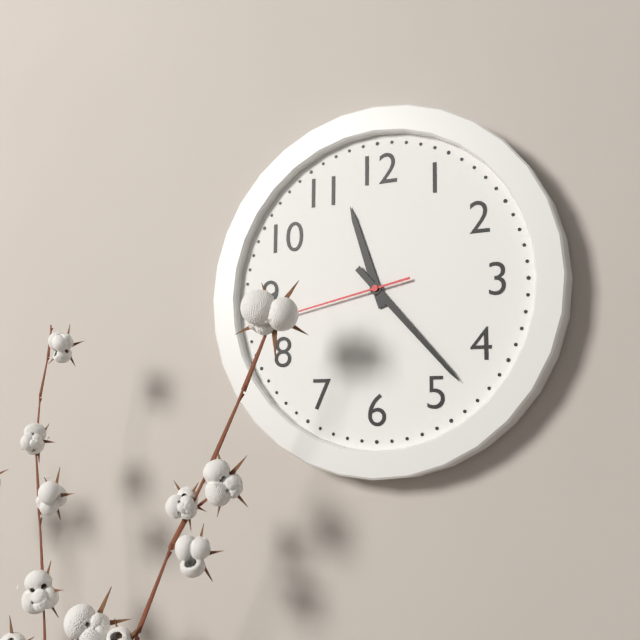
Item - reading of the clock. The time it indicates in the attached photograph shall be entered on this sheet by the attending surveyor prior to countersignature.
11:23:43
